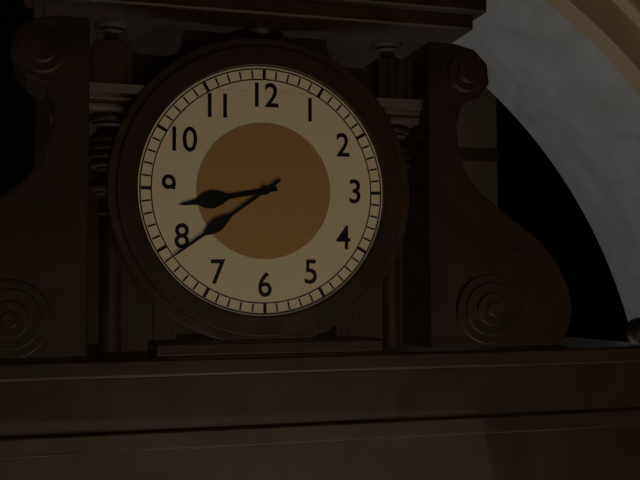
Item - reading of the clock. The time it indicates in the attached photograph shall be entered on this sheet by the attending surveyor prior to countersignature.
8:39
